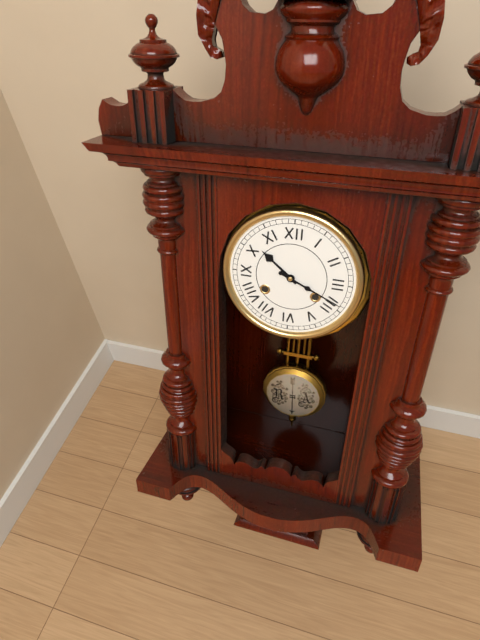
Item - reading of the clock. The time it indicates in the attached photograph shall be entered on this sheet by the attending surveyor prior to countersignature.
10:19
